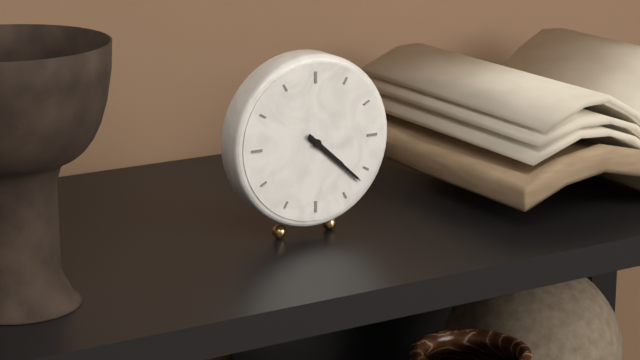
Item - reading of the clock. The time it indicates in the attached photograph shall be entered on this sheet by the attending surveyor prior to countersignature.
4:22
